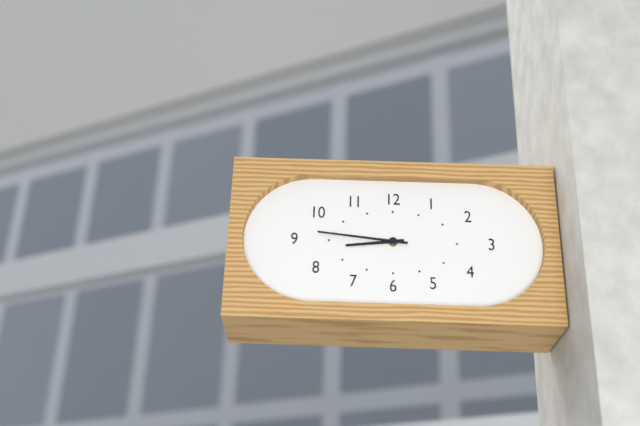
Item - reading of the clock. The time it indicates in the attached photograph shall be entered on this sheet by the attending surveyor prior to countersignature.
8:46
